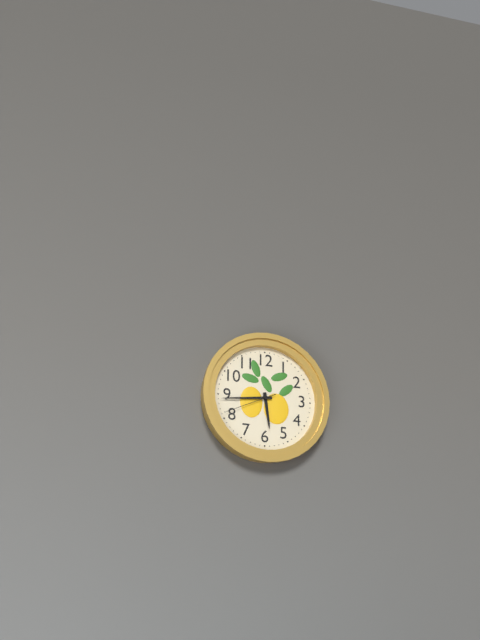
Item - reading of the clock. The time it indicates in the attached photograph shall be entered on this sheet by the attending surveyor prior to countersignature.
5:44:41
